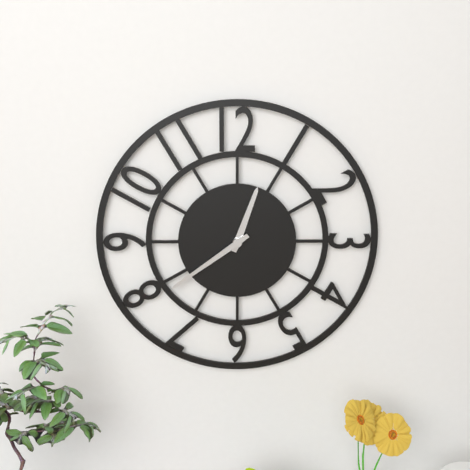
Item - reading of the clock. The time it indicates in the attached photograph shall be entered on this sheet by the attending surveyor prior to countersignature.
12:39
